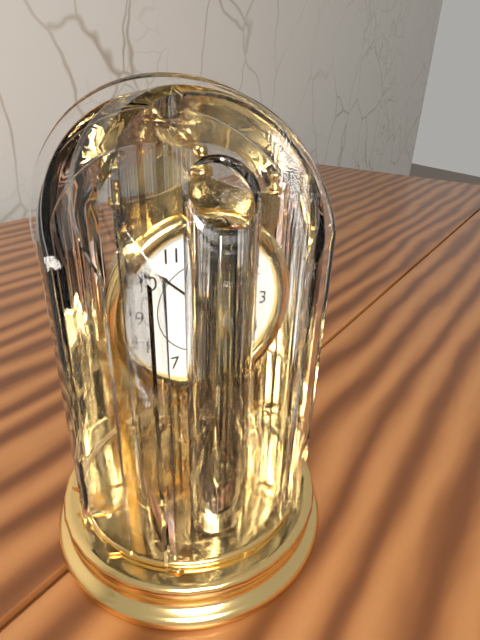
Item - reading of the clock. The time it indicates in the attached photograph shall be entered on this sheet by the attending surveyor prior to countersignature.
4:52
